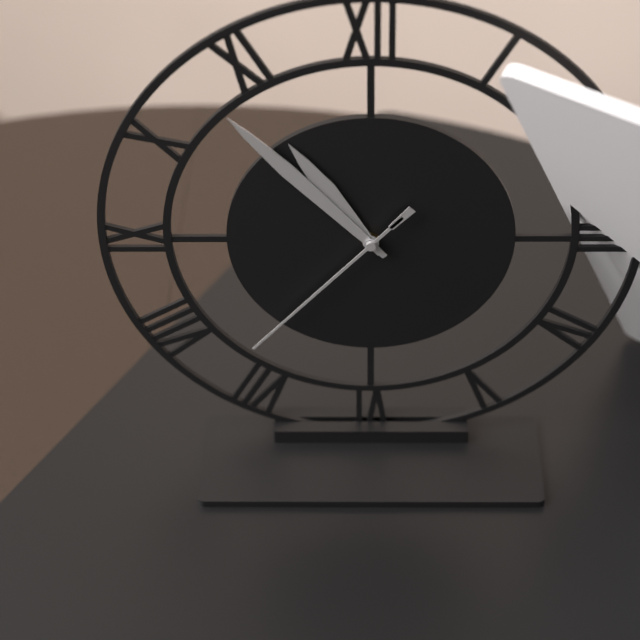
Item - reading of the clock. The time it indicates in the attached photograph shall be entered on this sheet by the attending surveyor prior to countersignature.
10:53:37
